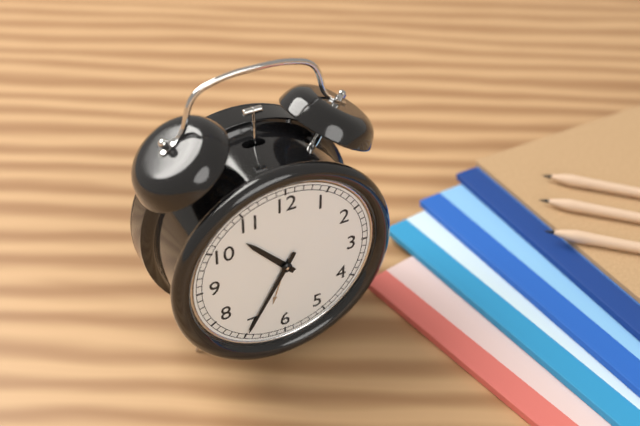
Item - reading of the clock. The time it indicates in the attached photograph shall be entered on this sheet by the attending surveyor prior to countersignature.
10:35
